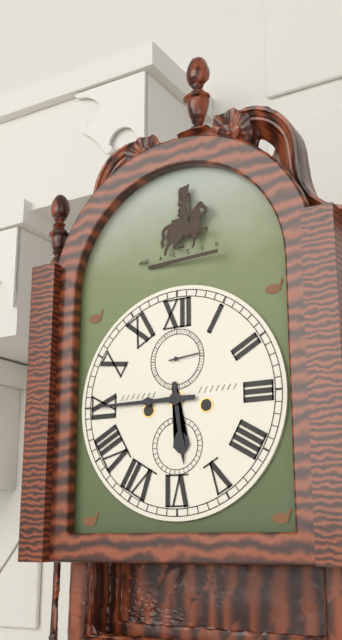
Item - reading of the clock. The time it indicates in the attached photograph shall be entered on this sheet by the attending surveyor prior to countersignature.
5:45
